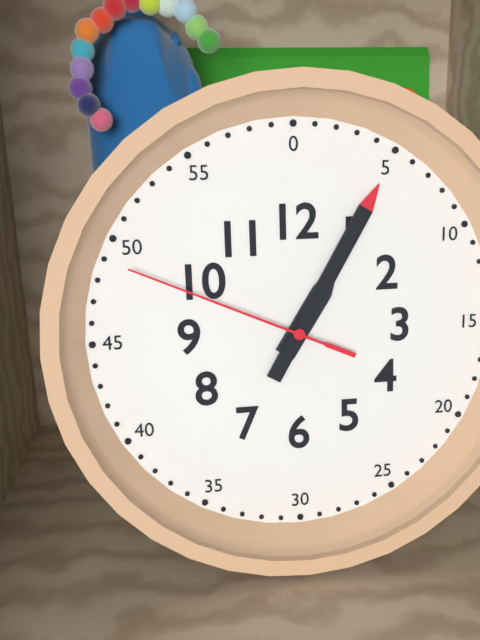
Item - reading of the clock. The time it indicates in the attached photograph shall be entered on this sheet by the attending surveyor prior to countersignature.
1:05:49
